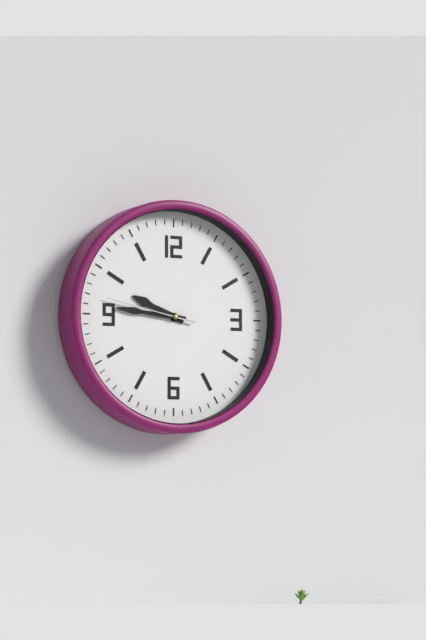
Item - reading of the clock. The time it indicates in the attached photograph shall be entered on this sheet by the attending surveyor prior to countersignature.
9:46:47
